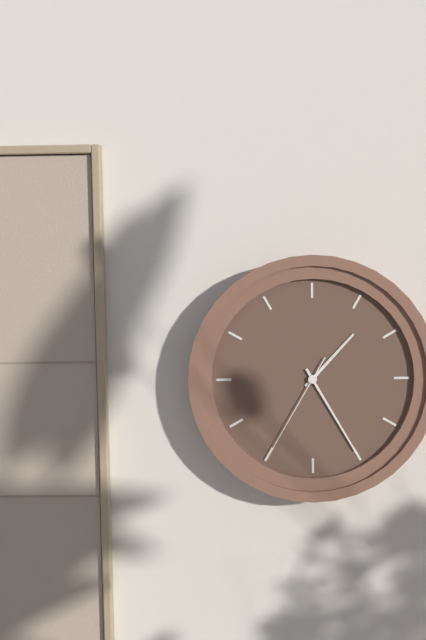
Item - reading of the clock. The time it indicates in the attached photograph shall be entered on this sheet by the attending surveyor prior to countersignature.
1:25:35
